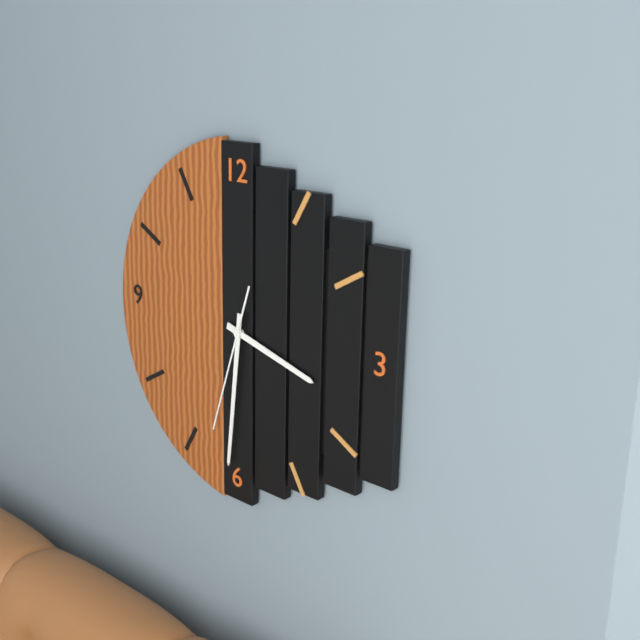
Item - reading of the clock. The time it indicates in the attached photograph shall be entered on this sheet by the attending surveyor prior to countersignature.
3:31:33
